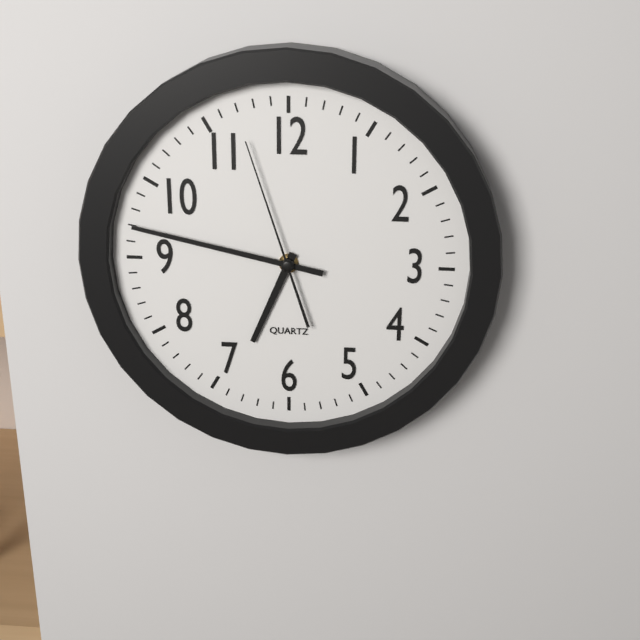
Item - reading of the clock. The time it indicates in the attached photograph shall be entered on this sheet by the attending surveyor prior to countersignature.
6:47:57
